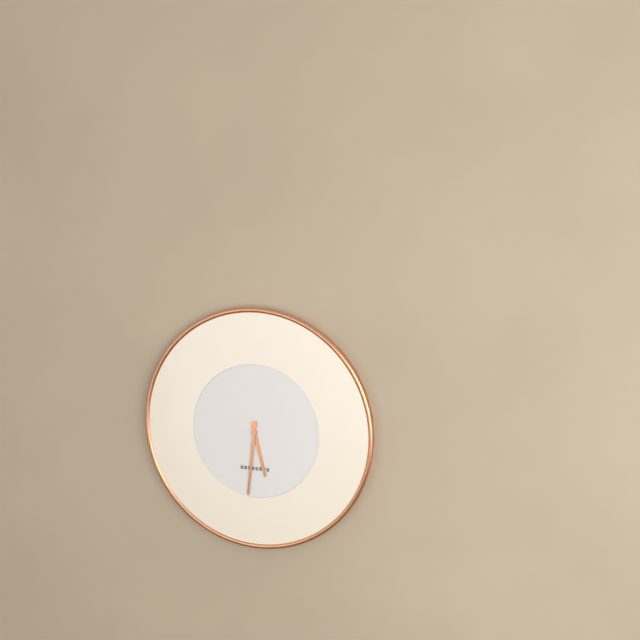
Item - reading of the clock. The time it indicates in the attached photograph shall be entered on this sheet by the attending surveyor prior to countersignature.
5:31
